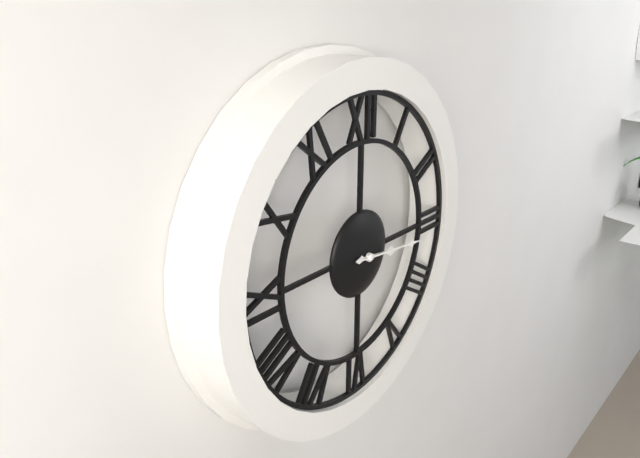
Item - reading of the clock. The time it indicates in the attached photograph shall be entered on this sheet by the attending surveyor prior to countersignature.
3:16
